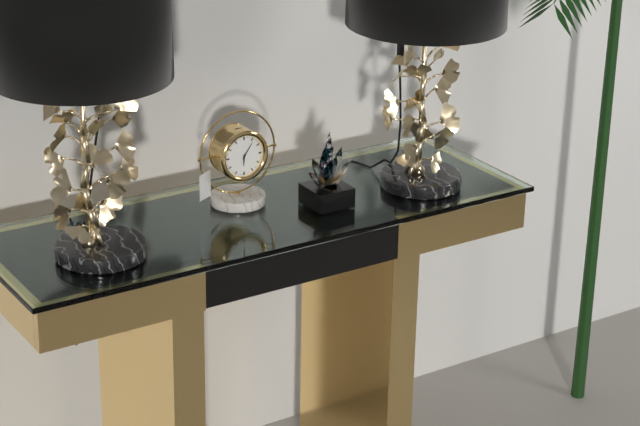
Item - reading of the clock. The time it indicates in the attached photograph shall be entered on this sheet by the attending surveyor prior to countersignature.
6:06
